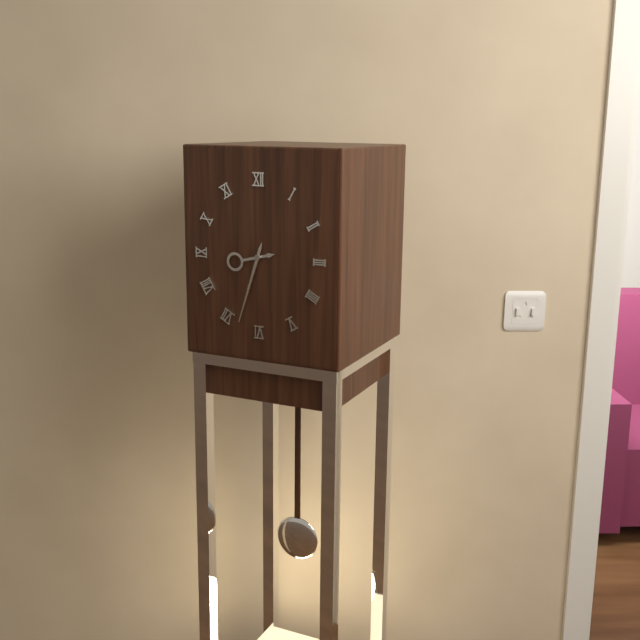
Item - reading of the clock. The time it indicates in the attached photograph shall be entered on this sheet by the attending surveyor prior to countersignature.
8:33
